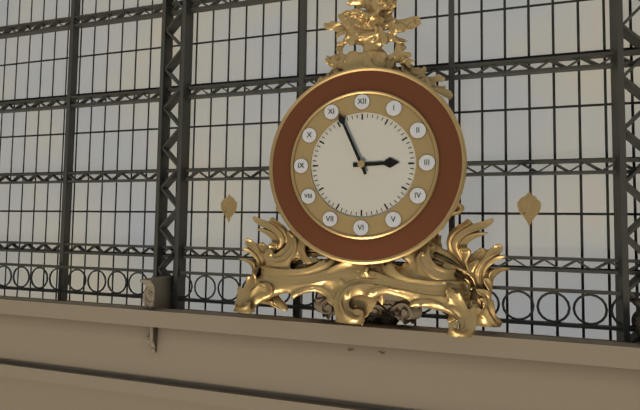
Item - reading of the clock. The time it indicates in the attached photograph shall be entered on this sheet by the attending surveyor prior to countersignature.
2:56
